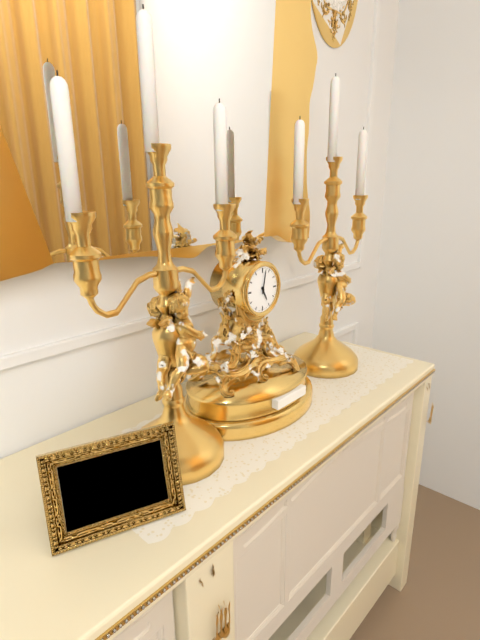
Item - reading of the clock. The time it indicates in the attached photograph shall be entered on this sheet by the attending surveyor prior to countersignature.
5:02
